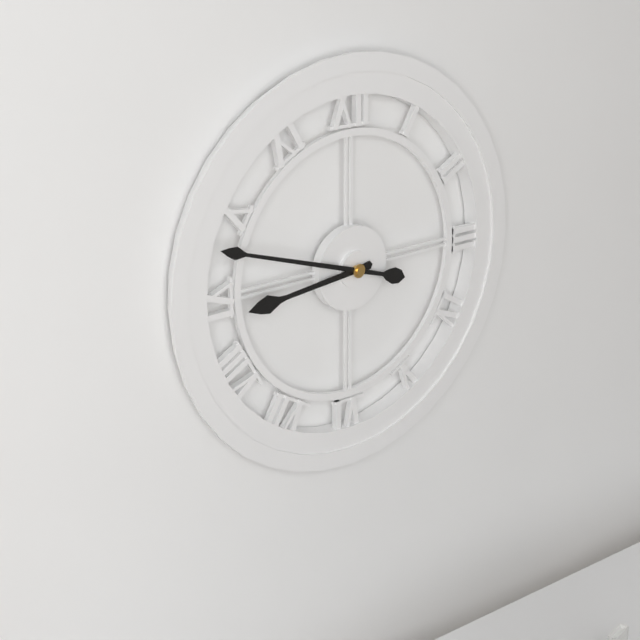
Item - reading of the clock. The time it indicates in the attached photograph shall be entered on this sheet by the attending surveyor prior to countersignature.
8:48
